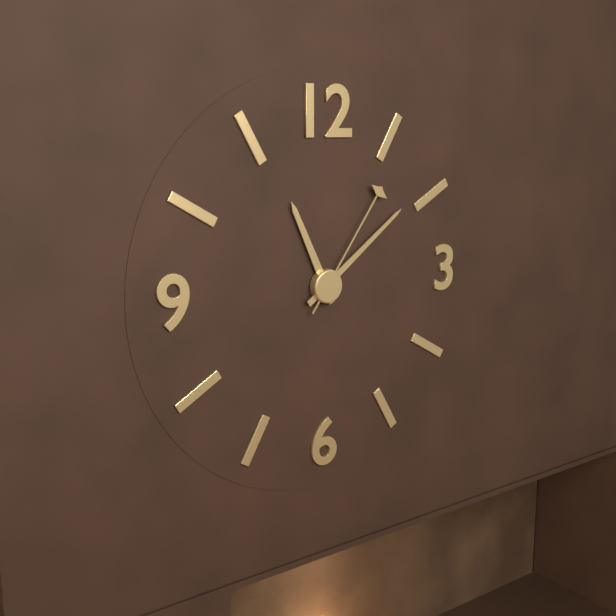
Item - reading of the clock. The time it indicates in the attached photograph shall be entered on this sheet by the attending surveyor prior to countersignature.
11:09:06
